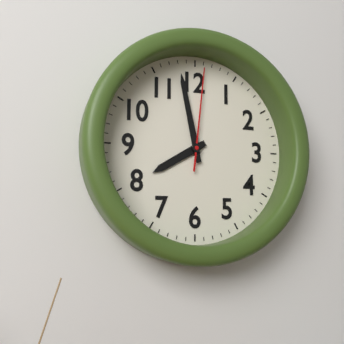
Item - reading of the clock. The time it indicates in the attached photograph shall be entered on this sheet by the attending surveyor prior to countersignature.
7:58:01
